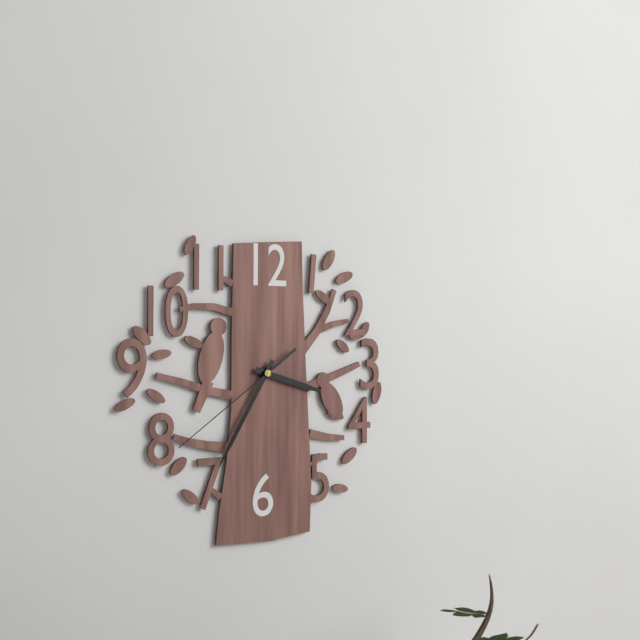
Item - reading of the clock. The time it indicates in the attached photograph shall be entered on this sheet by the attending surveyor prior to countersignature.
3:35:39
